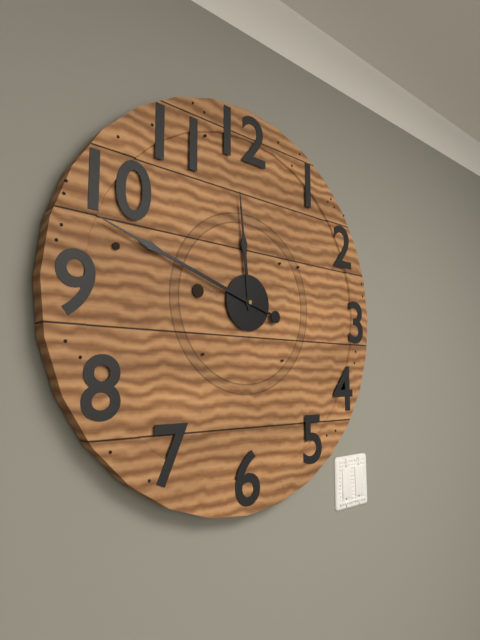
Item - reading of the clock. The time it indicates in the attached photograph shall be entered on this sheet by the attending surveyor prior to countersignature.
11:48
